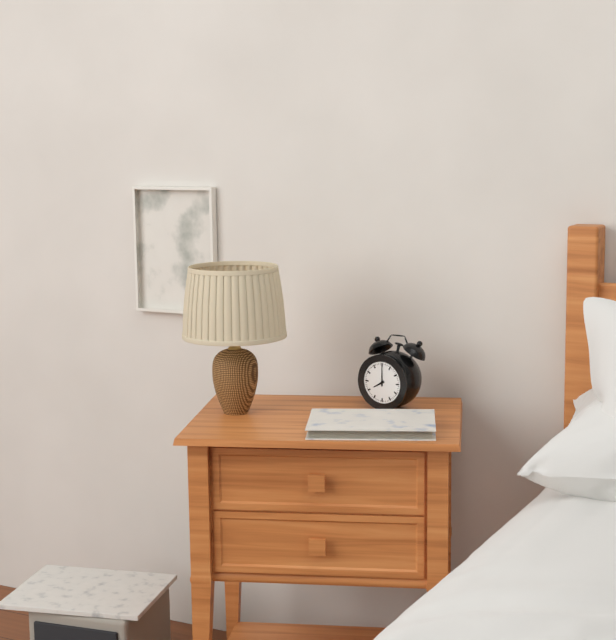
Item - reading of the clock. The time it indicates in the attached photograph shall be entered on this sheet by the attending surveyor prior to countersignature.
8:00
